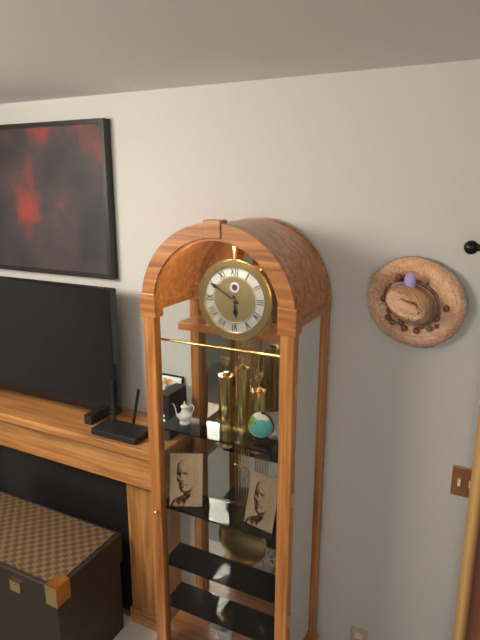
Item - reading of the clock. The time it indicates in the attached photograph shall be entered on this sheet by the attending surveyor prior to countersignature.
5:50
